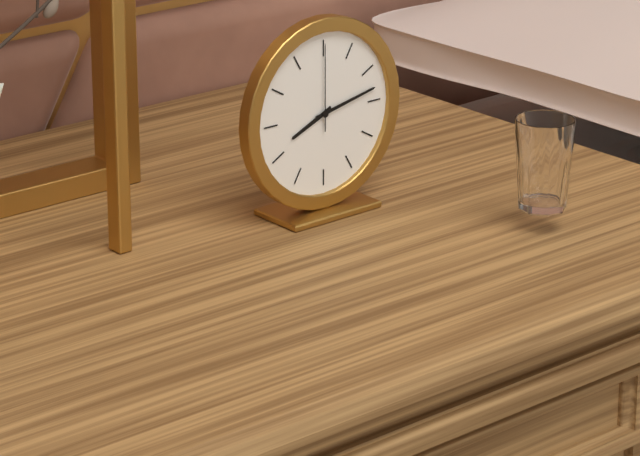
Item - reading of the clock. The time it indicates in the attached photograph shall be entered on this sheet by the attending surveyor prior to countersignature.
8:13:00
